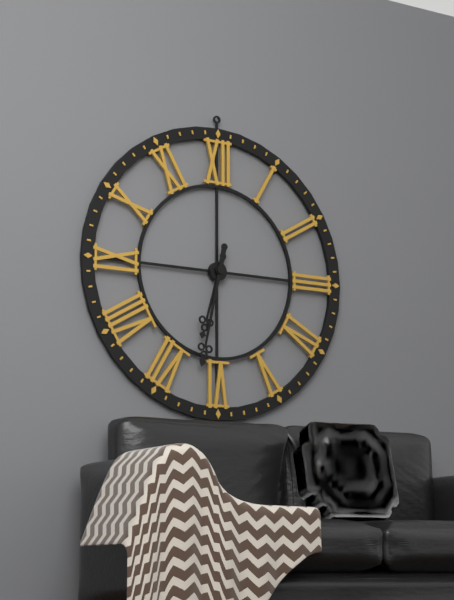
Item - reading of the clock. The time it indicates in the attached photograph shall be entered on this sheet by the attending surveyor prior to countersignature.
6:32
